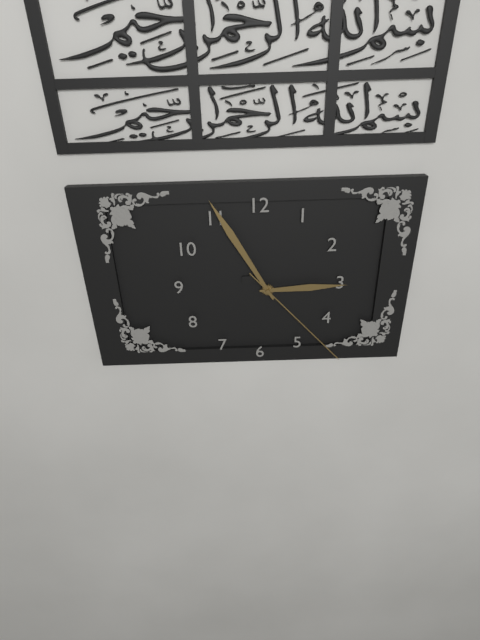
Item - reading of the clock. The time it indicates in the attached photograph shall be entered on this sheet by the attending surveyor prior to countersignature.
2:55:23
